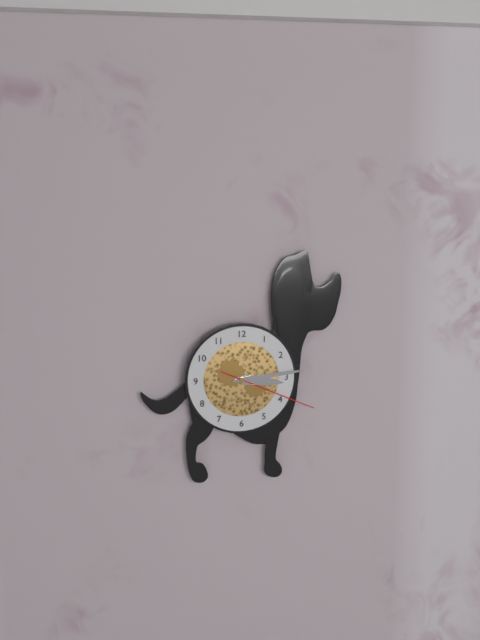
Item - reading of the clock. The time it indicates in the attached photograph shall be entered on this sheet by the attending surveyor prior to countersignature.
3:14:19
